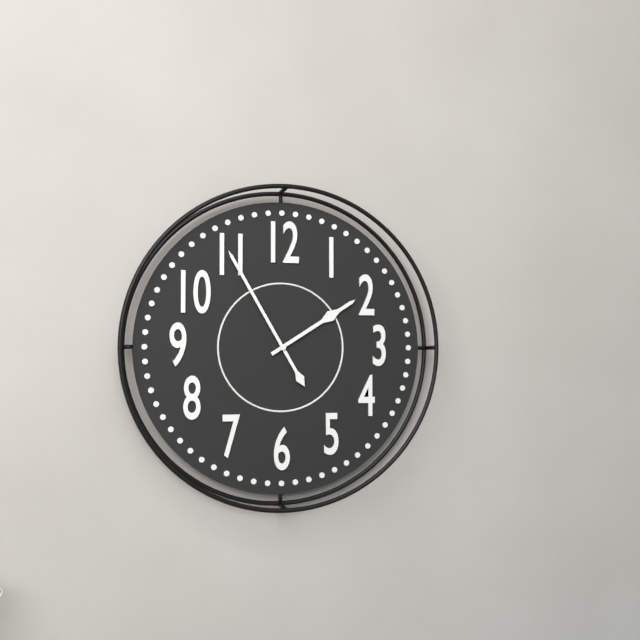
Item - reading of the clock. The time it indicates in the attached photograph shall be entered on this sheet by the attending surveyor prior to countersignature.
1:55
